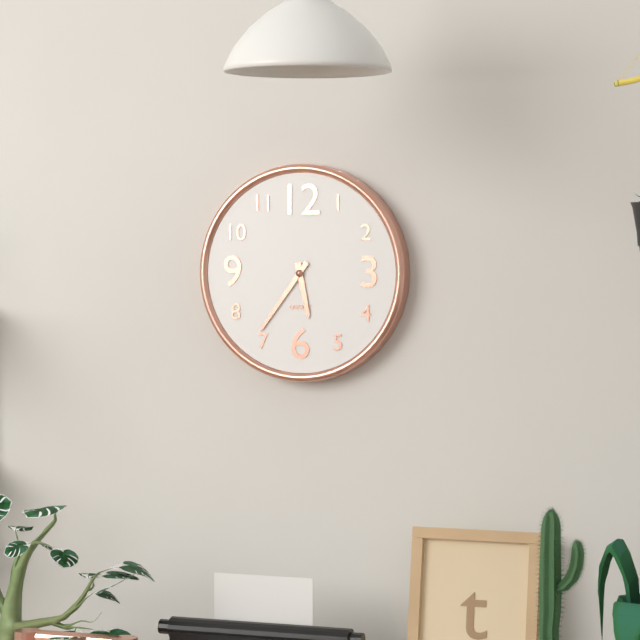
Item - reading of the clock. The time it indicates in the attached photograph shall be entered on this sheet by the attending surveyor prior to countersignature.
5:36
